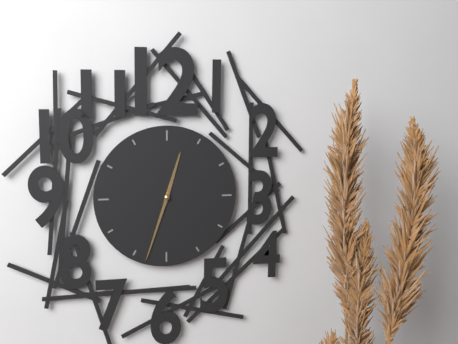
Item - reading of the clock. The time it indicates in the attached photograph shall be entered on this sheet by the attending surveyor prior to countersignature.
12:33
